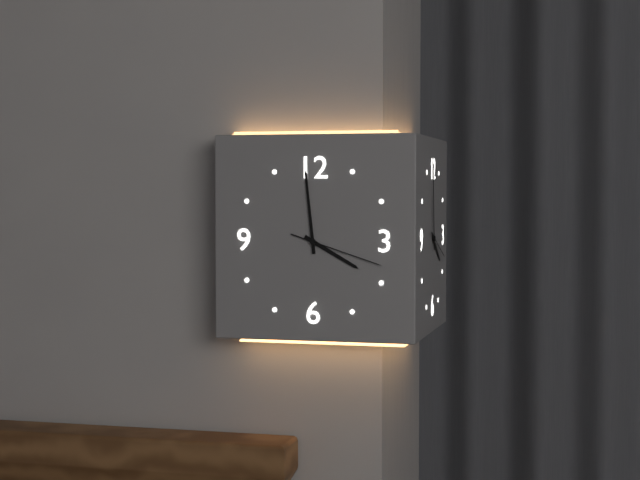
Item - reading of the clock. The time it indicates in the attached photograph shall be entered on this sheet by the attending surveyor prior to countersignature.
3:59:18
